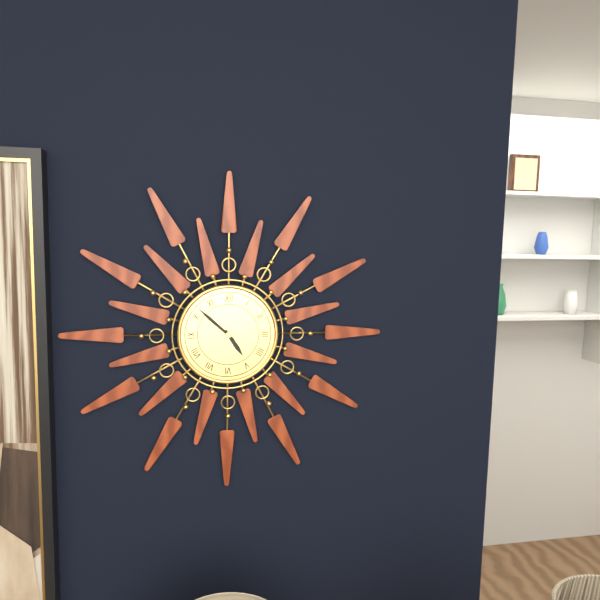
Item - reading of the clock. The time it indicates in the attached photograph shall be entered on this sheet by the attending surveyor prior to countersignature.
4:52
